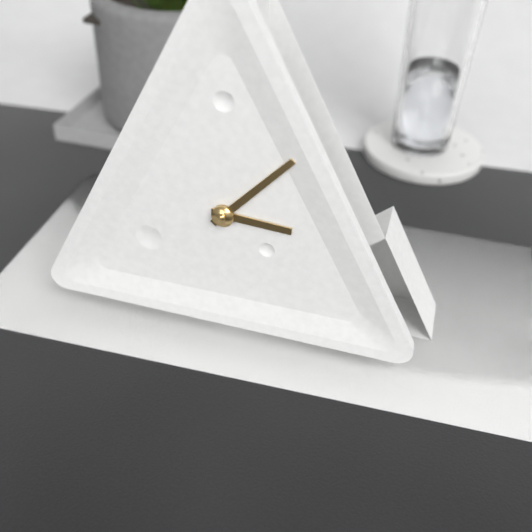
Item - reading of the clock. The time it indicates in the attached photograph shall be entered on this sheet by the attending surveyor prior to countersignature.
3:07
